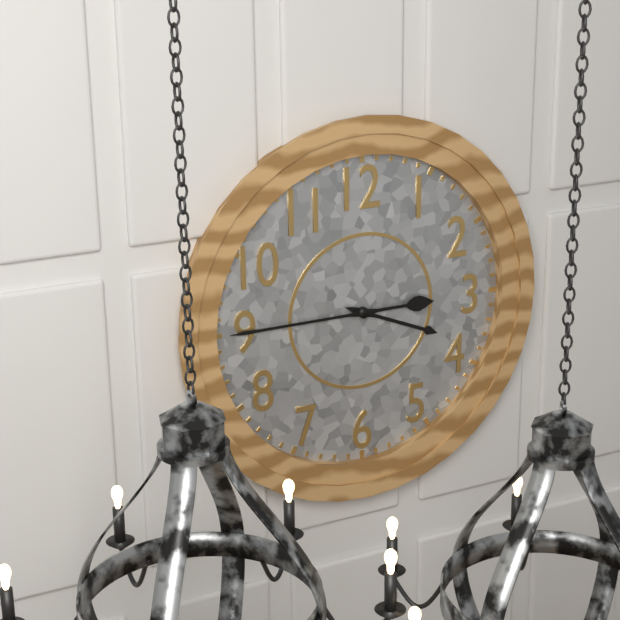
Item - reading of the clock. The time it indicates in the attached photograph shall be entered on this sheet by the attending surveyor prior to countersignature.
3:45
